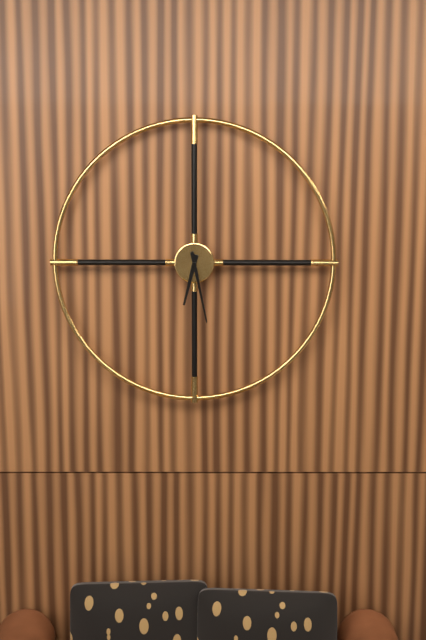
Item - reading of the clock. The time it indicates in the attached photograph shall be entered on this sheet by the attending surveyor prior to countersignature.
6:28
